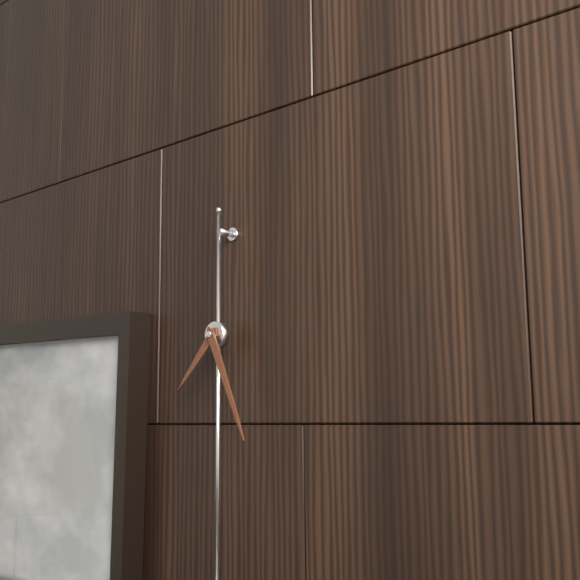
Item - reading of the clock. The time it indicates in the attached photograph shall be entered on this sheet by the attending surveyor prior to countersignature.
7:26
